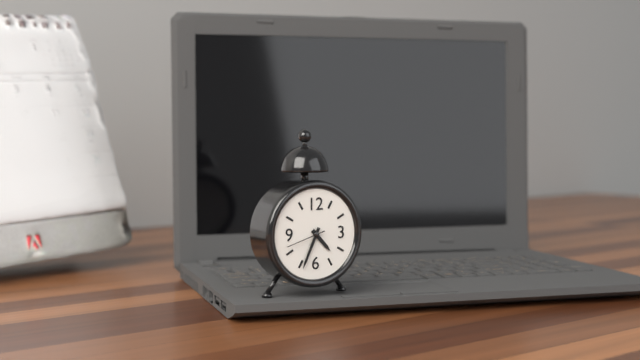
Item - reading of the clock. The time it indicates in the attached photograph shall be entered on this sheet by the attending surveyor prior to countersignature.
4:34
